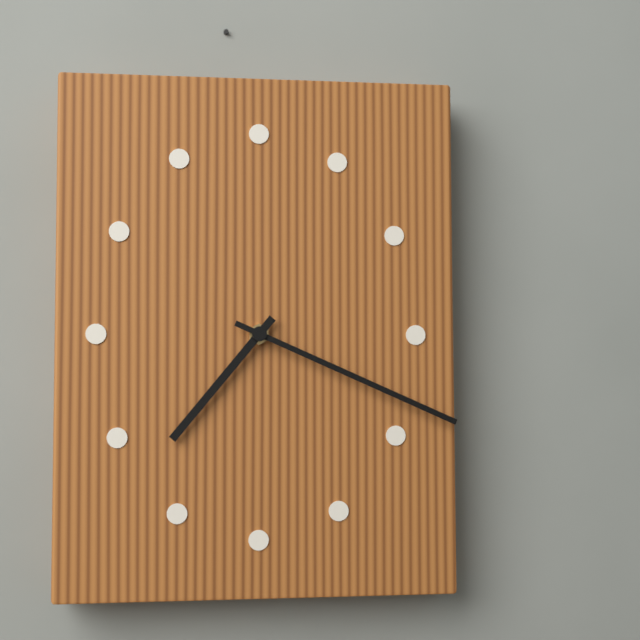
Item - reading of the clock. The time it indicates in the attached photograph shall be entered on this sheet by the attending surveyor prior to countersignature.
7:19
